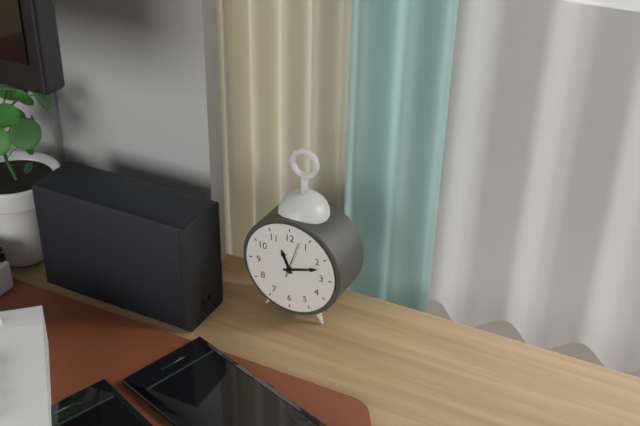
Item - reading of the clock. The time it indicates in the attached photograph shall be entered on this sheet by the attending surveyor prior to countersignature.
11:12
